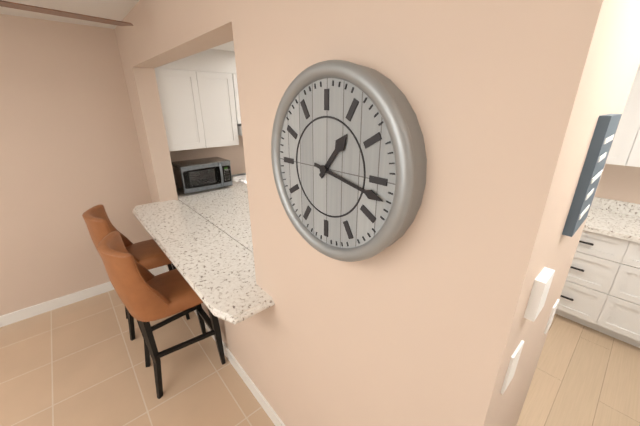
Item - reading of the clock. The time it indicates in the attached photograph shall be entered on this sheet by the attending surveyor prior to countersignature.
1:17
